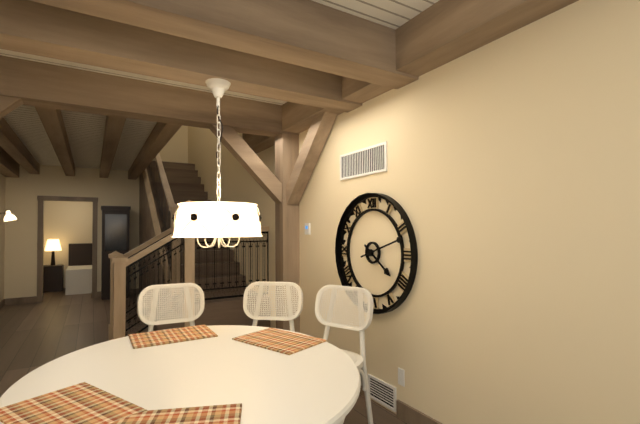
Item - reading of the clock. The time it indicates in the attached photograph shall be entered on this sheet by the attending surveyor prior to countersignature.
4:12
